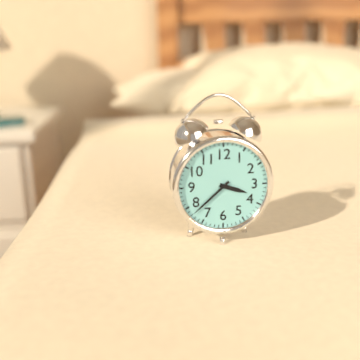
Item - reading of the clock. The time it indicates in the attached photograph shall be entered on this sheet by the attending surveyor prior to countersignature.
3:38
